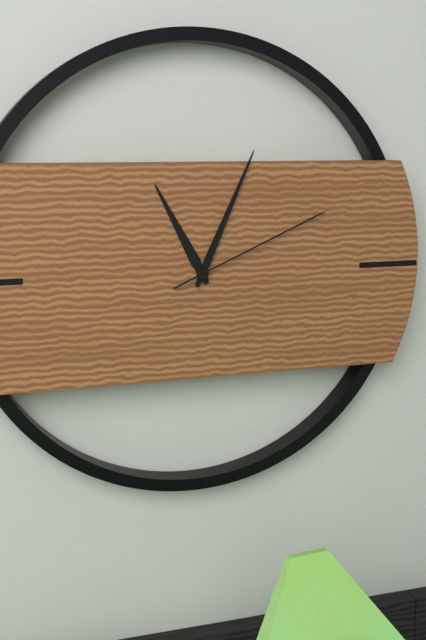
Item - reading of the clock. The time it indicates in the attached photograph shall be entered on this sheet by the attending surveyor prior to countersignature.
11:04:11
